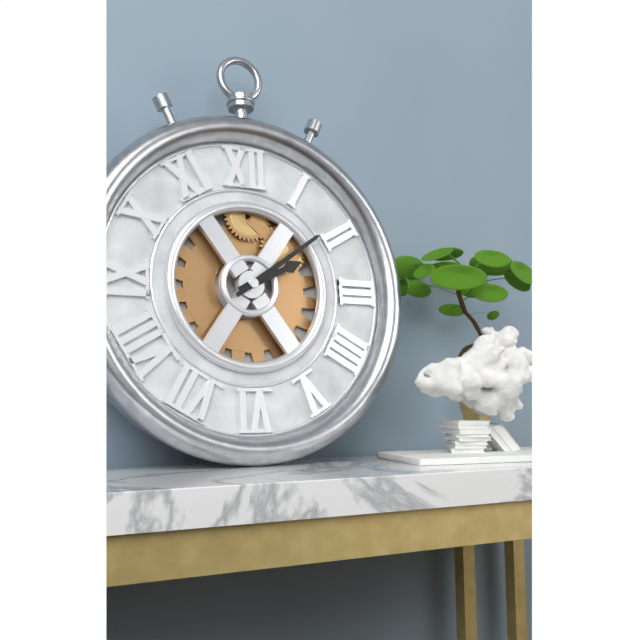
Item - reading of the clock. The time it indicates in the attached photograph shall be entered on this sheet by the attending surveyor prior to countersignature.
2:09
